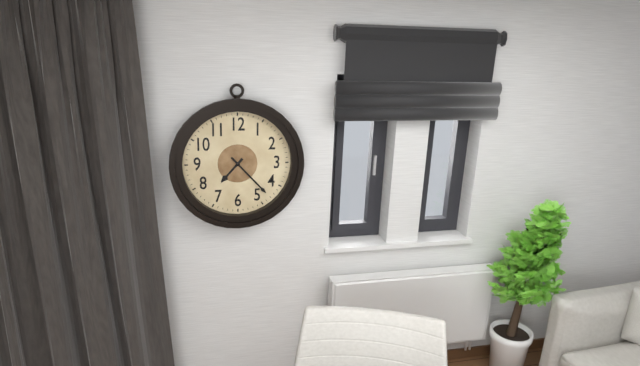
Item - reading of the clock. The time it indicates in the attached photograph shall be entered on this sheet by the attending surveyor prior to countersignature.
7:23
